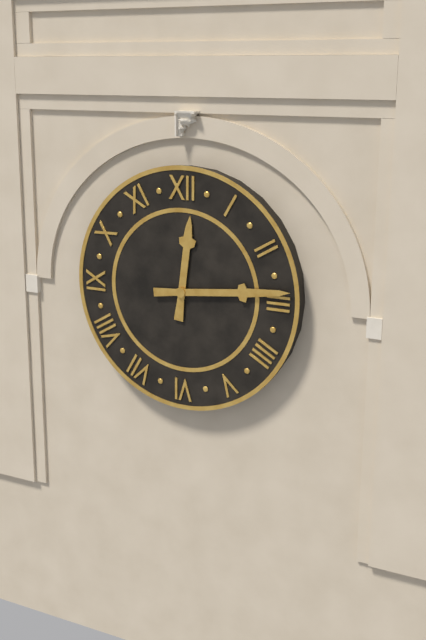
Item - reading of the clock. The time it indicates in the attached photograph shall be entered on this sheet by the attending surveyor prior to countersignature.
12:14
